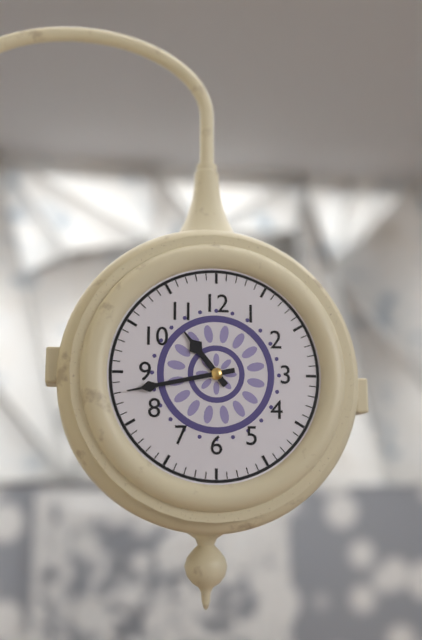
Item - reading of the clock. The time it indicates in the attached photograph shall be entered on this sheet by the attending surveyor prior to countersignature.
10:43
